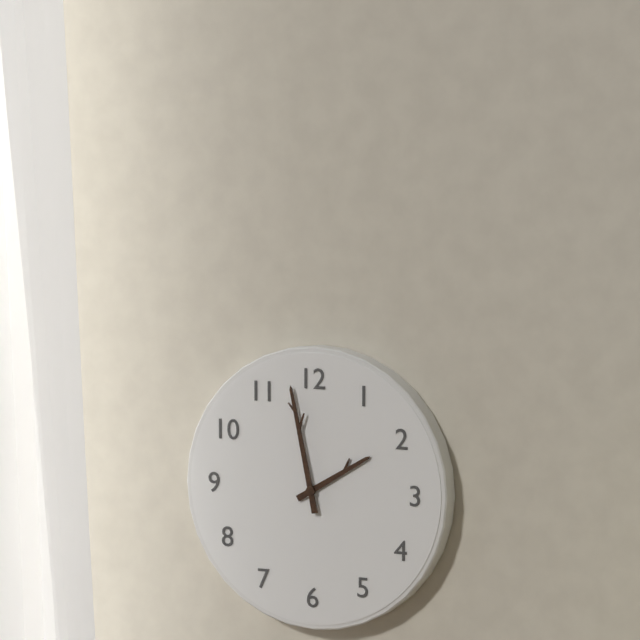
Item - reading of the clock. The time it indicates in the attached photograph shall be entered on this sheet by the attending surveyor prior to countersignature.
1:58
